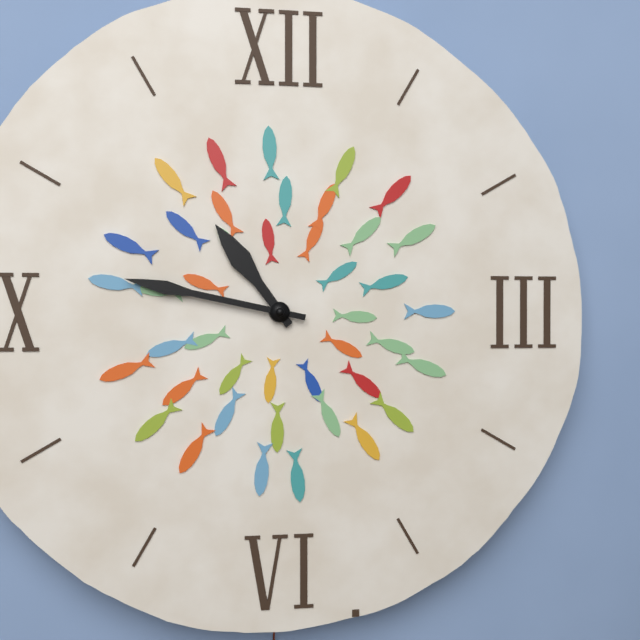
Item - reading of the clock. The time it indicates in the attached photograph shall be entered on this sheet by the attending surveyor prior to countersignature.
10:47
